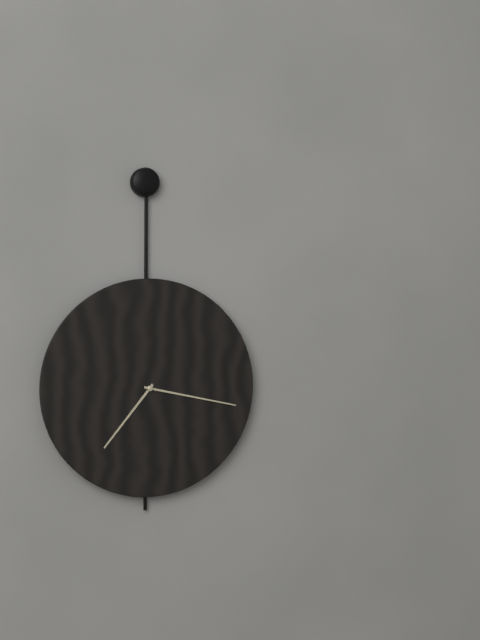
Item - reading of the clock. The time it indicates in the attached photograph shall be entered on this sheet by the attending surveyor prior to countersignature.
7:17
